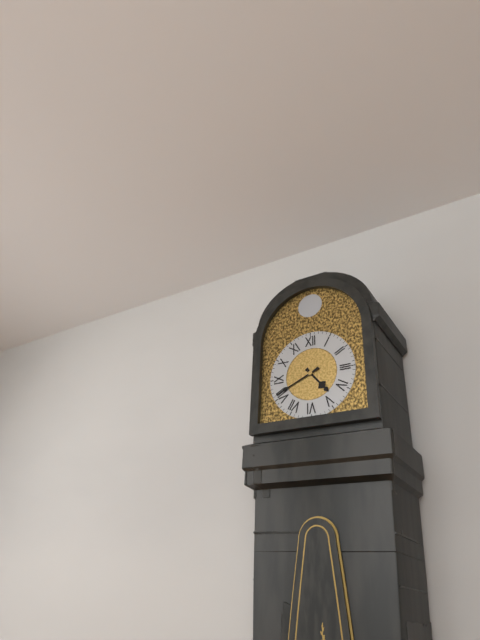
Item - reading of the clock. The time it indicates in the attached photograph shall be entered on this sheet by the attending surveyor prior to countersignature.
4:41
